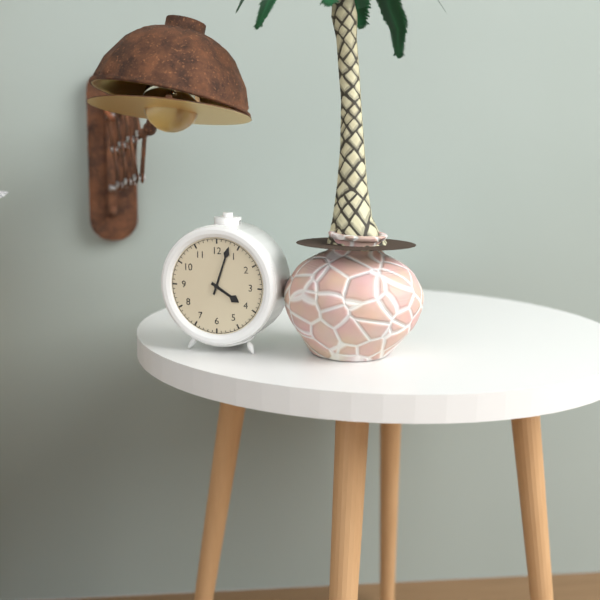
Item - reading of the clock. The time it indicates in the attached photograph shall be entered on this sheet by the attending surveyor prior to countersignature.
4:03
